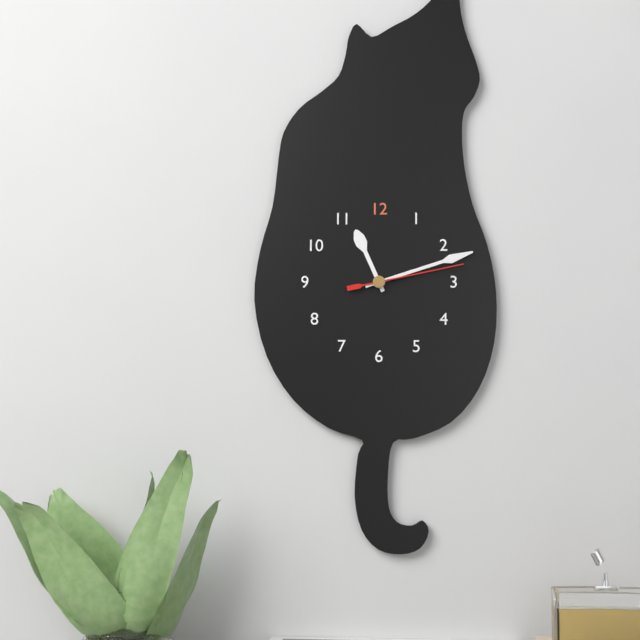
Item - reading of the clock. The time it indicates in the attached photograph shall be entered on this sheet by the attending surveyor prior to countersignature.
11:12:13
